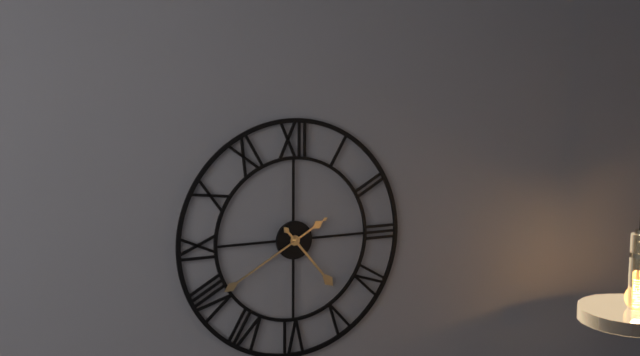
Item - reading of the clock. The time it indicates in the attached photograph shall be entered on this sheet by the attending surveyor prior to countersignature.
4:40
